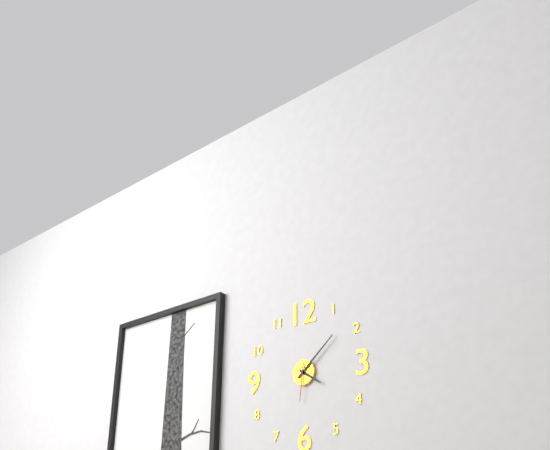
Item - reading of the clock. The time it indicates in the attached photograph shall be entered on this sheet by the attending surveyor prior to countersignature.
4:08
